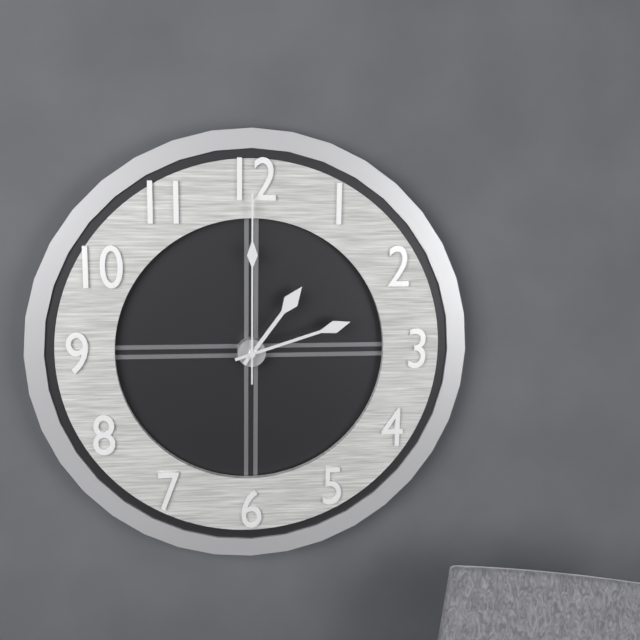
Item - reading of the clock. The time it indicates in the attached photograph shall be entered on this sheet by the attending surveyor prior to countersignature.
1:12:00
